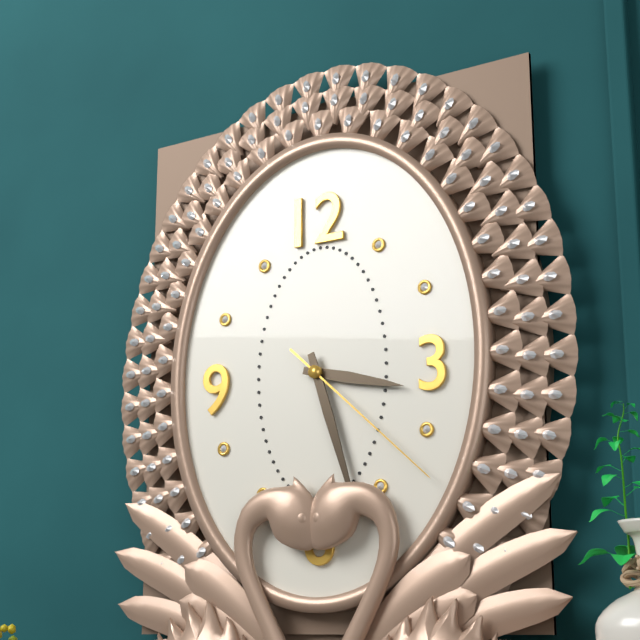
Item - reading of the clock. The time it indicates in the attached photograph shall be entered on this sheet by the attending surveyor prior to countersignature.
3:27:22
